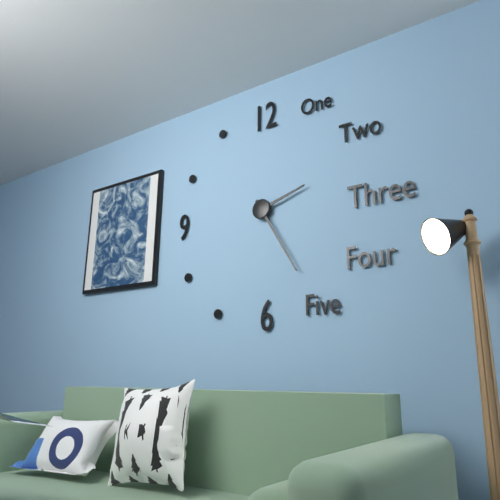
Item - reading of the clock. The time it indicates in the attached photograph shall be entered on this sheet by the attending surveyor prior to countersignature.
2:25
